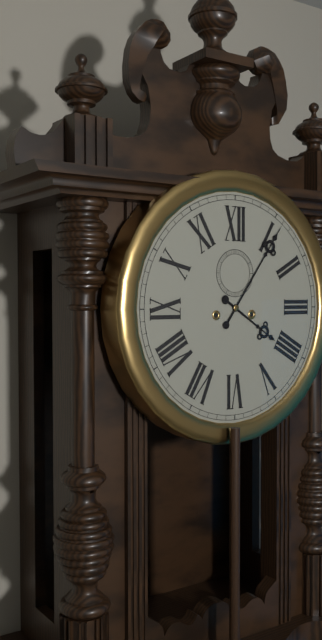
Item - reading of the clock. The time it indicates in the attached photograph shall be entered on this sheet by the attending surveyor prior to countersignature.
4:06
